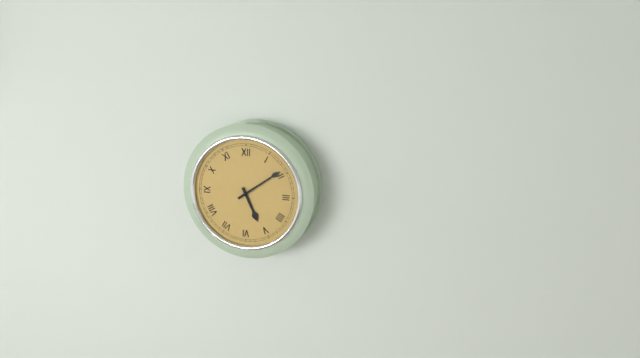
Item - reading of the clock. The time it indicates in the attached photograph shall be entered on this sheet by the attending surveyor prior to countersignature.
5:09
